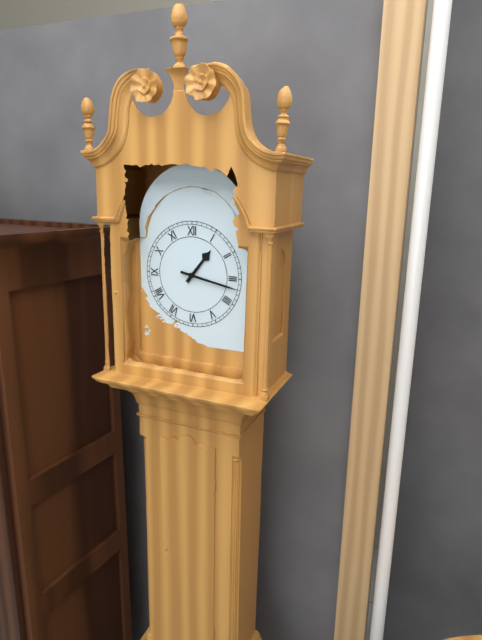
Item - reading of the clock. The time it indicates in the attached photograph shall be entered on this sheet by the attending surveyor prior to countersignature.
1:17
